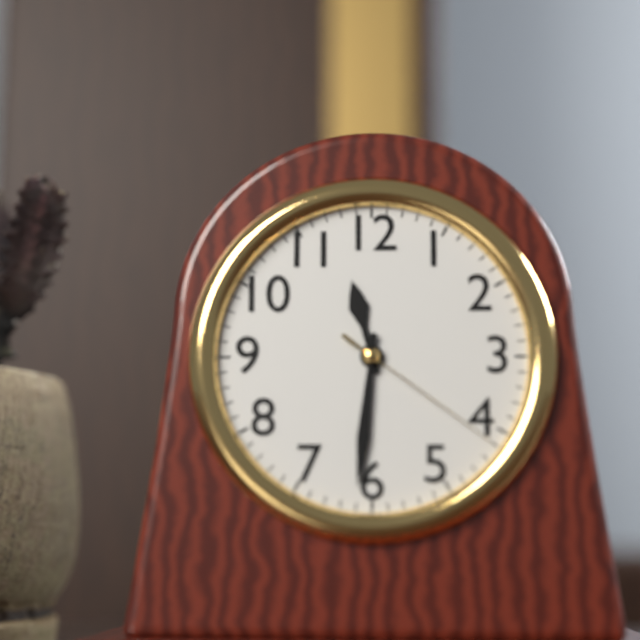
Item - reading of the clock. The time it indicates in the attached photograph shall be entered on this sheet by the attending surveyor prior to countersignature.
11:31:21
